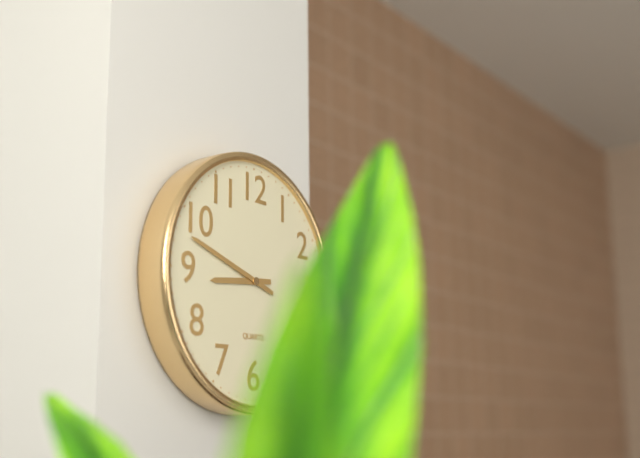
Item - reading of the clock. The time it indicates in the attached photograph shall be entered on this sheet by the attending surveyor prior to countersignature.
8:48
